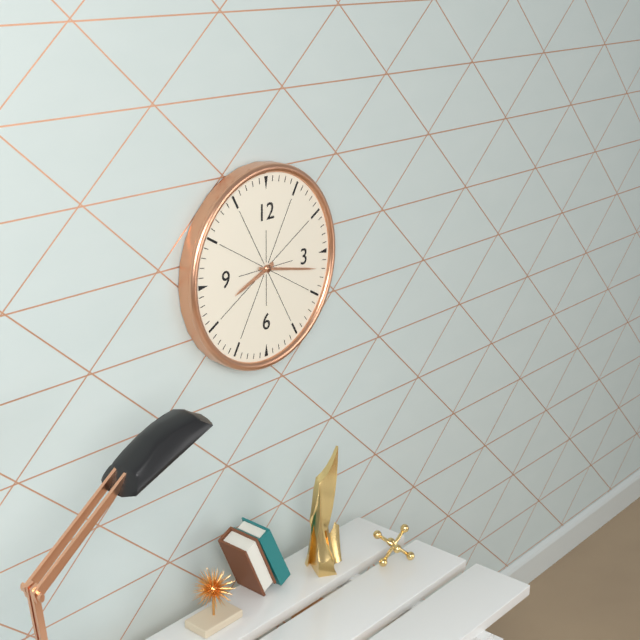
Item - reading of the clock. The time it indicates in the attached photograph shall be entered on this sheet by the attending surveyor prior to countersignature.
8:17
